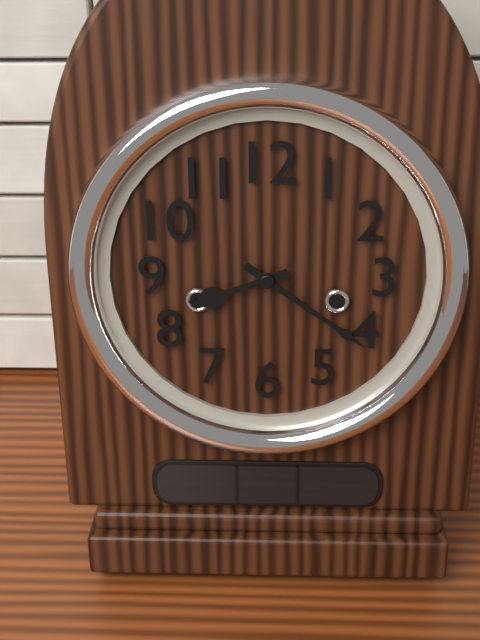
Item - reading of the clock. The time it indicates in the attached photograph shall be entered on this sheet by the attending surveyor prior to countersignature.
8:21
